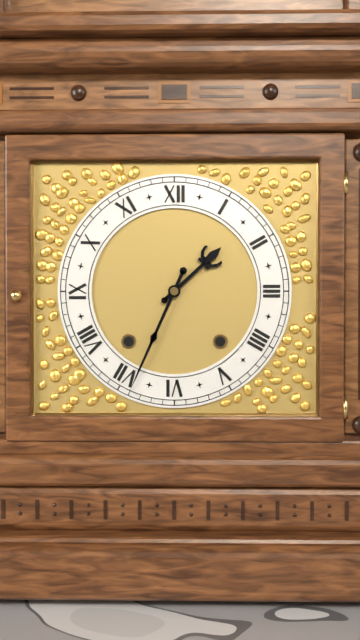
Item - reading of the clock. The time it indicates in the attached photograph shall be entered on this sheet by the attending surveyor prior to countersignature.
1:34
